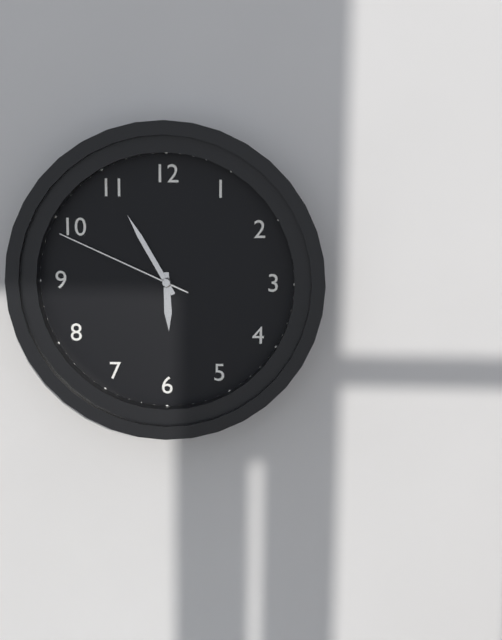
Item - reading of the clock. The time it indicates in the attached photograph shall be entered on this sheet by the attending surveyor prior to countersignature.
5:55:49
